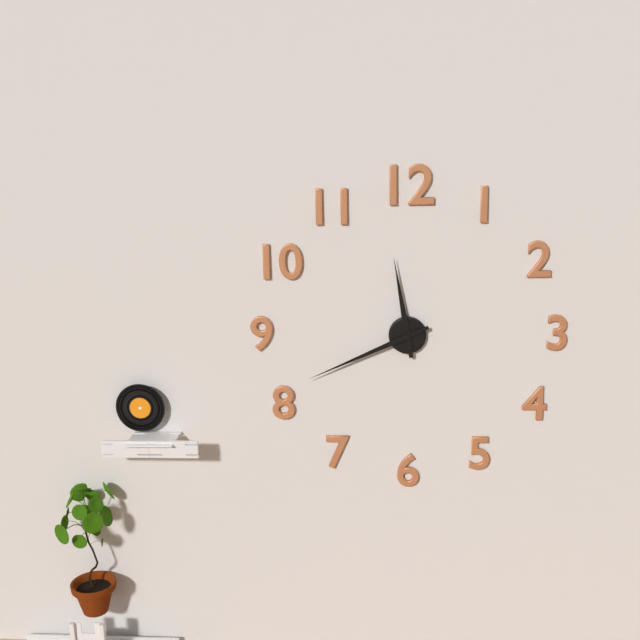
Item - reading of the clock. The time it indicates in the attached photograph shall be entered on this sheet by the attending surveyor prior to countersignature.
11:41
